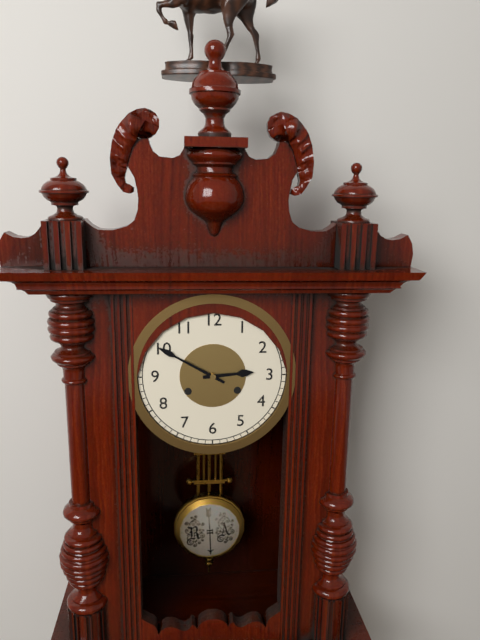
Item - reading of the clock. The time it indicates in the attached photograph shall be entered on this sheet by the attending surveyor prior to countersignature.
2:50
